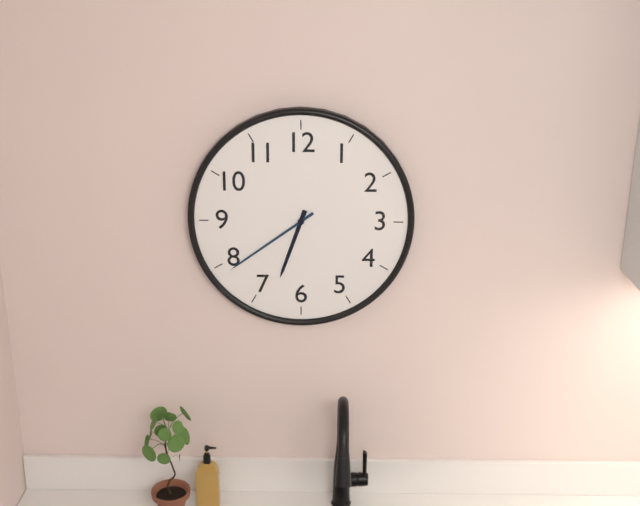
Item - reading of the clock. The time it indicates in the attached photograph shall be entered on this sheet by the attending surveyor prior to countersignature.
6:39
